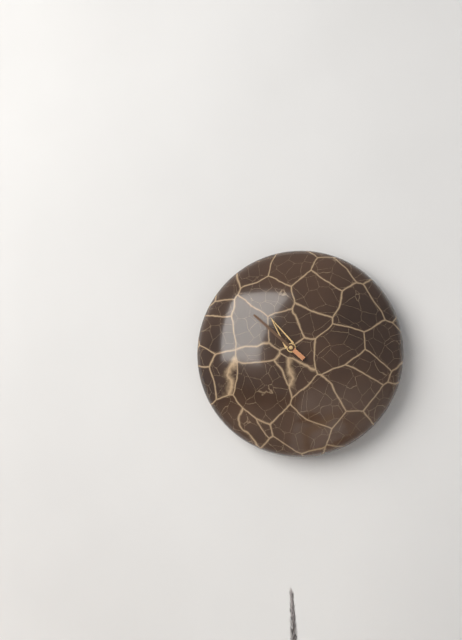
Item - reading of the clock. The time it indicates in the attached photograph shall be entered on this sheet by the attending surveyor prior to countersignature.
10:52
